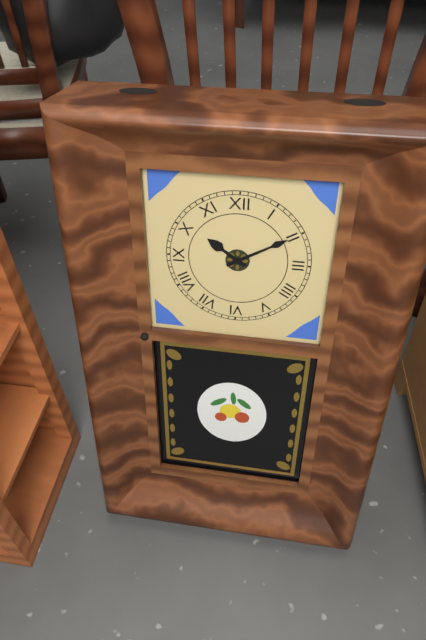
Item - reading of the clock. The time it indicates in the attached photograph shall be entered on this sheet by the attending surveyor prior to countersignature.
10:10
